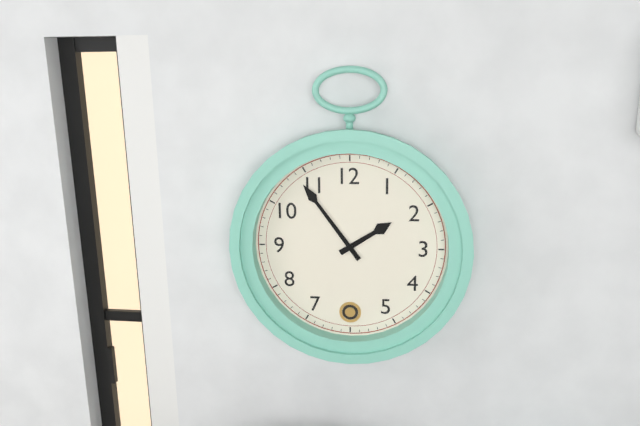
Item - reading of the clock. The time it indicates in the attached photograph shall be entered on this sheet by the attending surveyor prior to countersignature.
1:54
